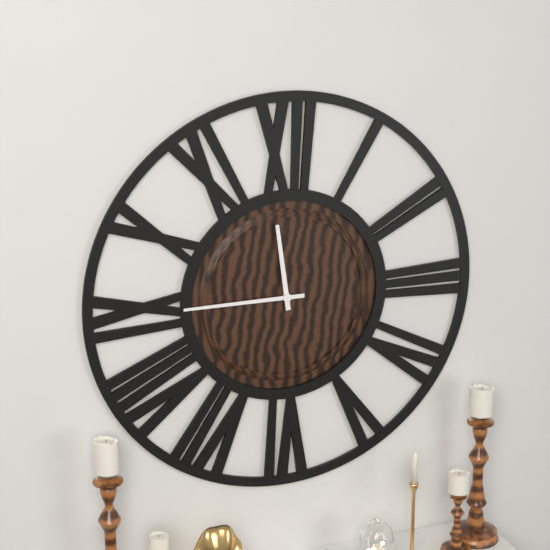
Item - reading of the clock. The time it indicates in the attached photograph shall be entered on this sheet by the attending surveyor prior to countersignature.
11:45
